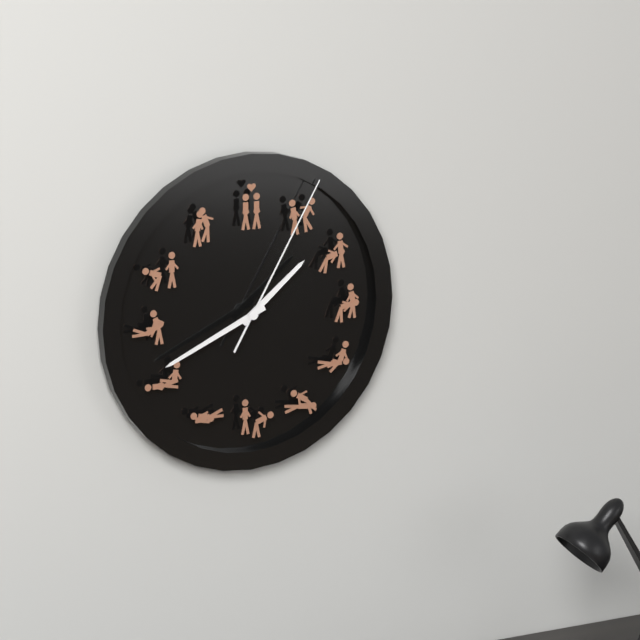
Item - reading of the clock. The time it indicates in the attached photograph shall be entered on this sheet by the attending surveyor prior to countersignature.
1:41:05
